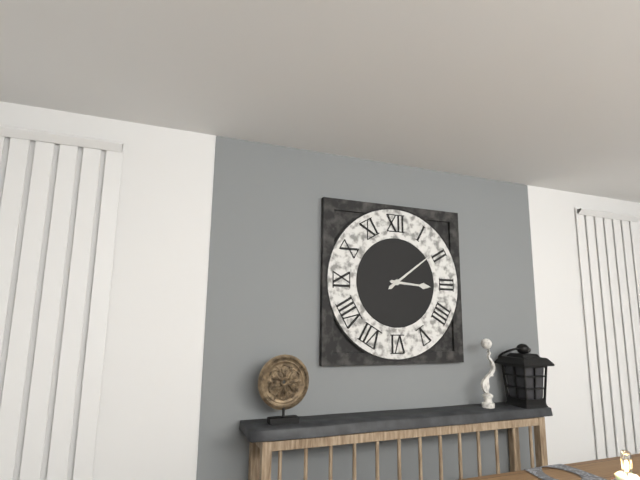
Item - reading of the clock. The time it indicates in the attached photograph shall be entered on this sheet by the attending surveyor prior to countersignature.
3:09
